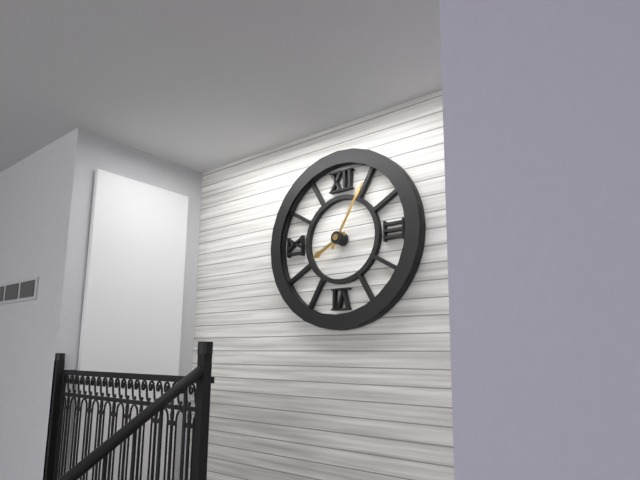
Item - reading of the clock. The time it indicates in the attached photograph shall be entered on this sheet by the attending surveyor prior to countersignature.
8:05
